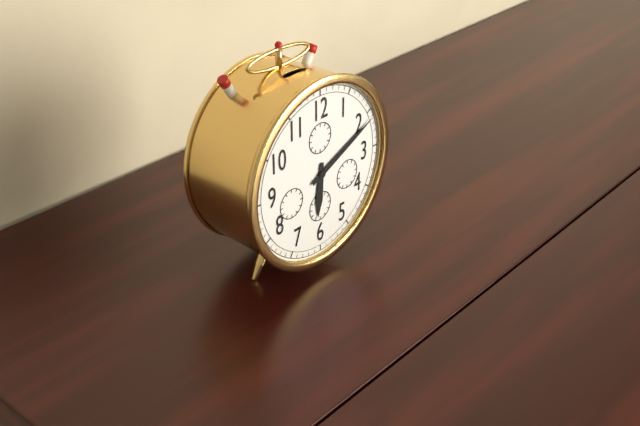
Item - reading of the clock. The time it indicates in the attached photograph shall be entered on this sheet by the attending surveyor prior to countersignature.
6:11
